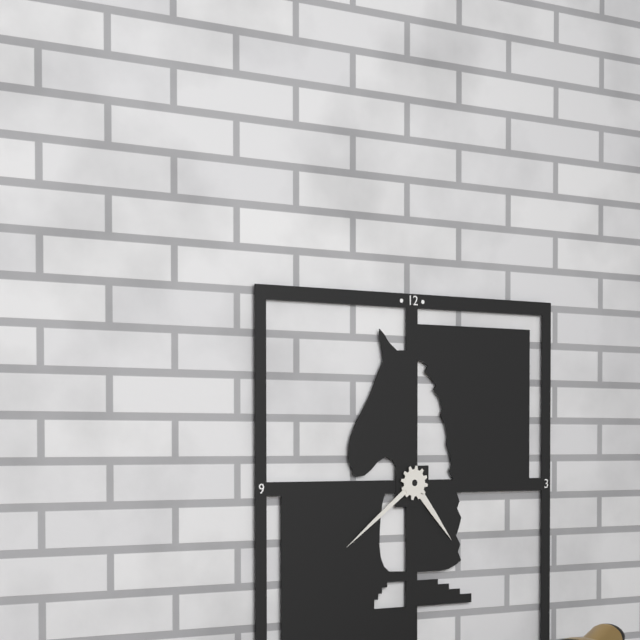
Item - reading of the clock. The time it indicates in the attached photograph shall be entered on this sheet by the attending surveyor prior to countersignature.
4:39
